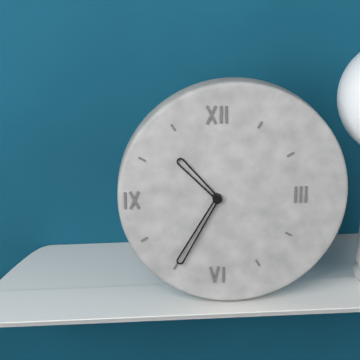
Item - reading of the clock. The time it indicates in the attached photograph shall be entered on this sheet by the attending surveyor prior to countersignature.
10:35
